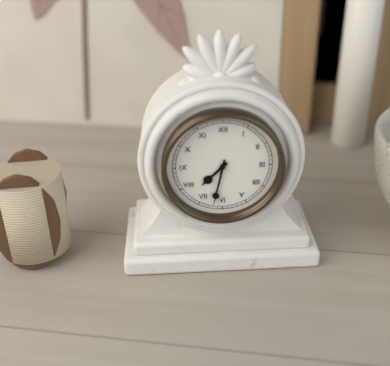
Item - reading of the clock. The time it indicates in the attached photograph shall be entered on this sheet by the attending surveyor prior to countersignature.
7:32
